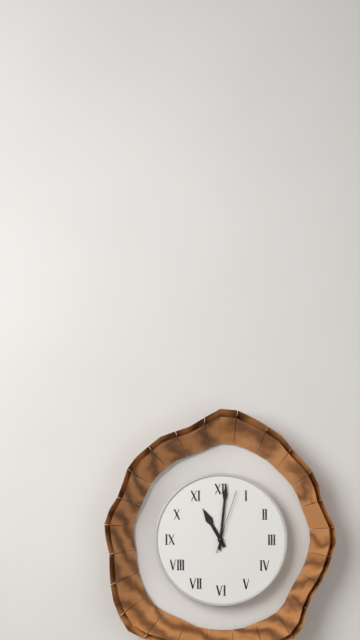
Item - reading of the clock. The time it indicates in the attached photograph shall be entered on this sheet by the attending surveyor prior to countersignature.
11:01:03
